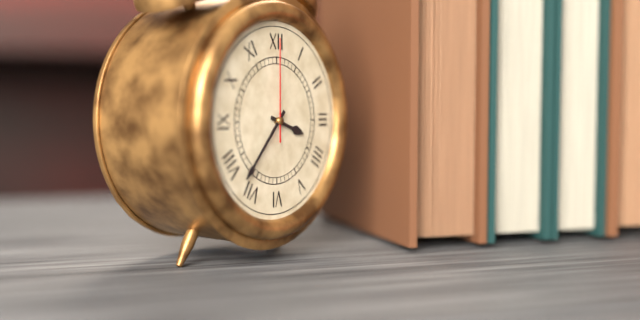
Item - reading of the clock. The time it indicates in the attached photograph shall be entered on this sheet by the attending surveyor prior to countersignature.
3:37:00
